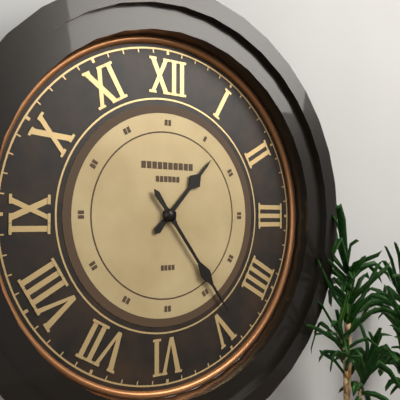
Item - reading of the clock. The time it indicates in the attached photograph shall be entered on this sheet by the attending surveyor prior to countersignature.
1:24
